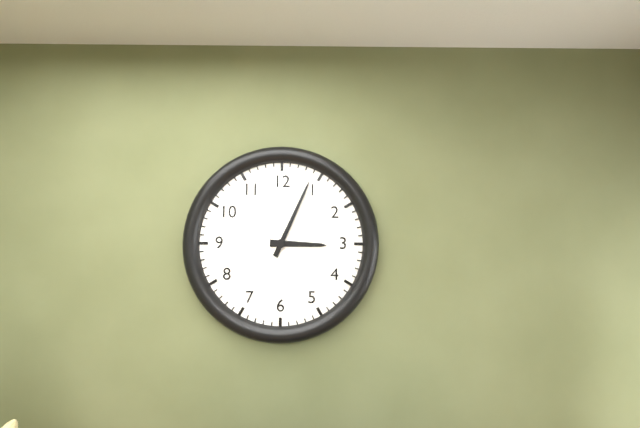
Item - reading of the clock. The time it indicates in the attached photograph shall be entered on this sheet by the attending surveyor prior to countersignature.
3:04
